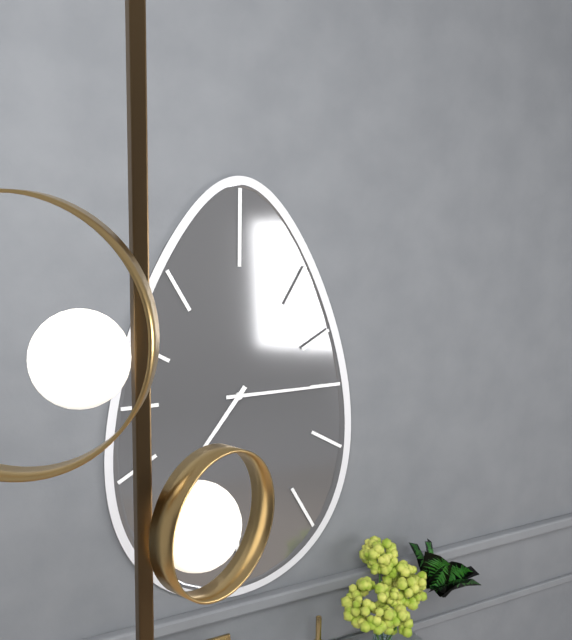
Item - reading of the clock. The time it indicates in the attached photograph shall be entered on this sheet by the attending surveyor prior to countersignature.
7:15
